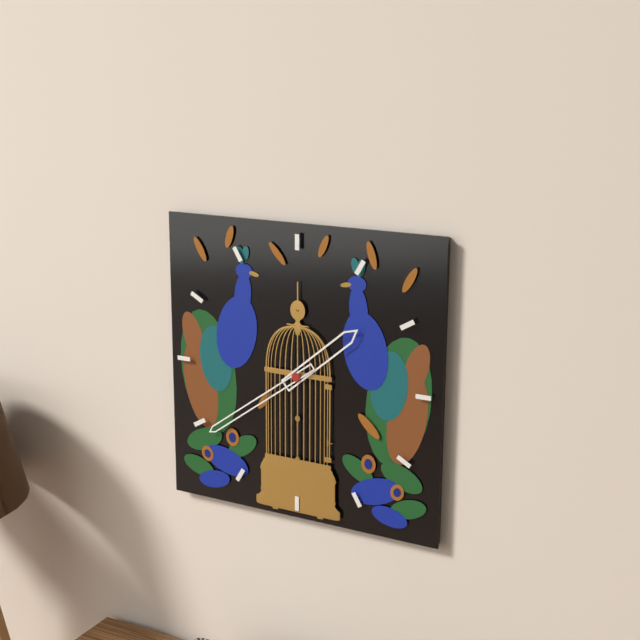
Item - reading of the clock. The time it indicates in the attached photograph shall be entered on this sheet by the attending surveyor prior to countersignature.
1:39
